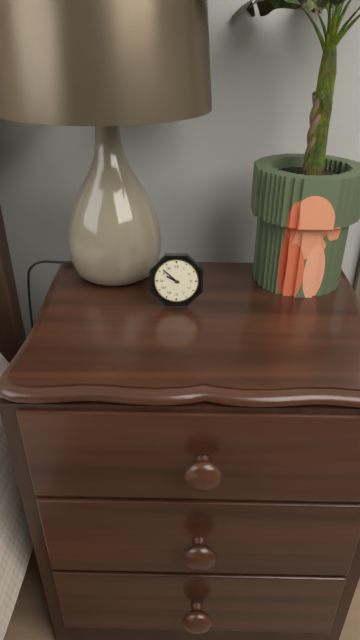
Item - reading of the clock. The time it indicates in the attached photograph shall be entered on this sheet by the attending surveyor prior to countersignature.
9:52
